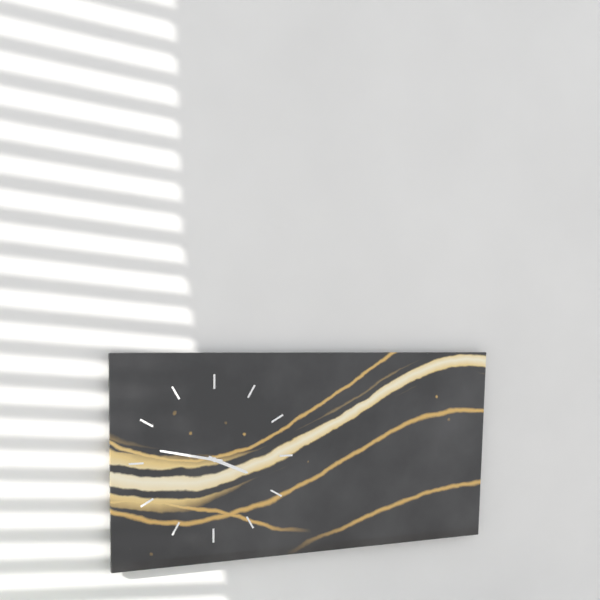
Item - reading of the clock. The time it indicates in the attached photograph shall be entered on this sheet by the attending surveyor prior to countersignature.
3:47
